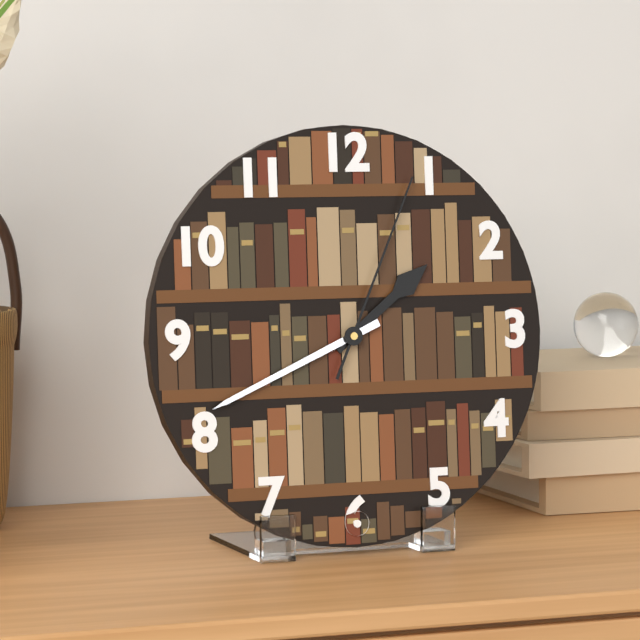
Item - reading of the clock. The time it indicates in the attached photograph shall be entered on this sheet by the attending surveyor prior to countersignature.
1:41:04
